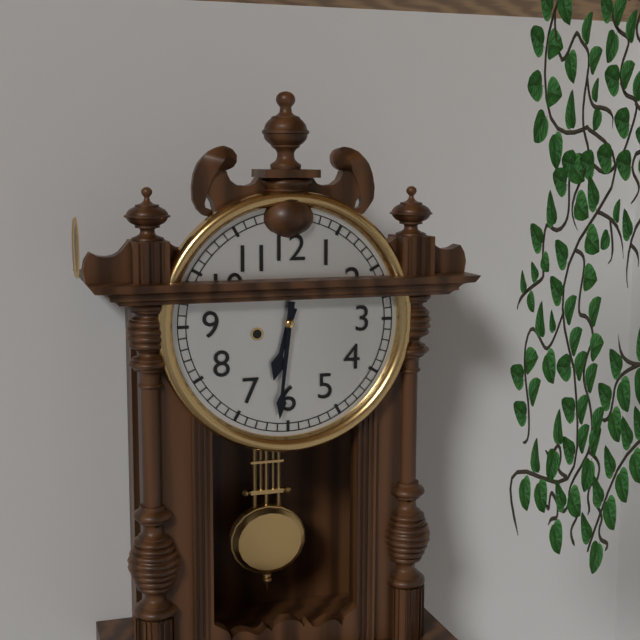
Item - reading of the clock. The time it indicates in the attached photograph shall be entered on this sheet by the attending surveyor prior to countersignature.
6:31
